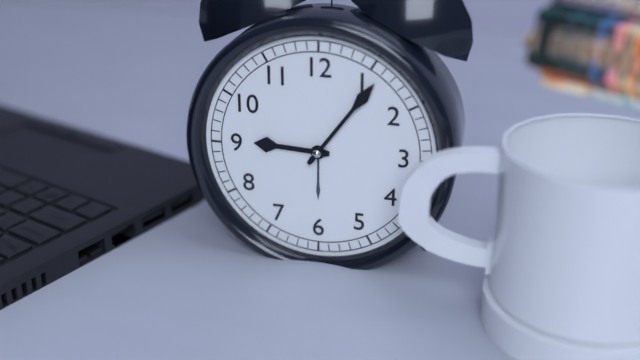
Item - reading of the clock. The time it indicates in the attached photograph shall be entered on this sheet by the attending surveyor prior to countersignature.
9:06
